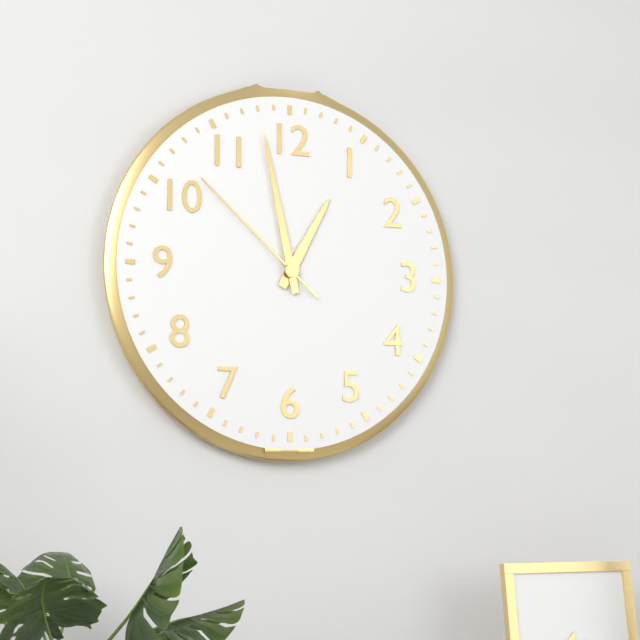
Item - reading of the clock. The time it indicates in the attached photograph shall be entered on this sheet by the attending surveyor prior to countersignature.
12:58:52
